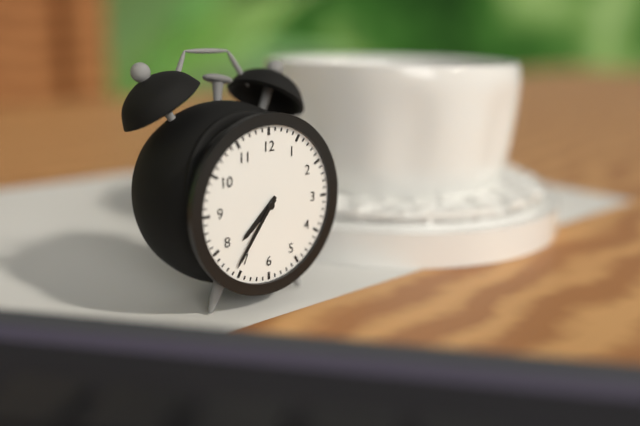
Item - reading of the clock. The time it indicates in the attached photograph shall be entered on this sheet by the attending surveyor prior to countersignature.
7:36
